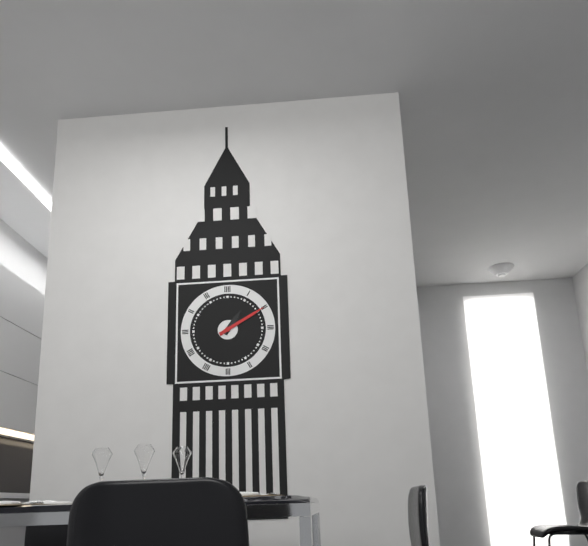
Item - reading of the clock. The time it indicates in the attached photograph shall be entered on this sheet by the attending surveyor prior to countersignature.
1:10
